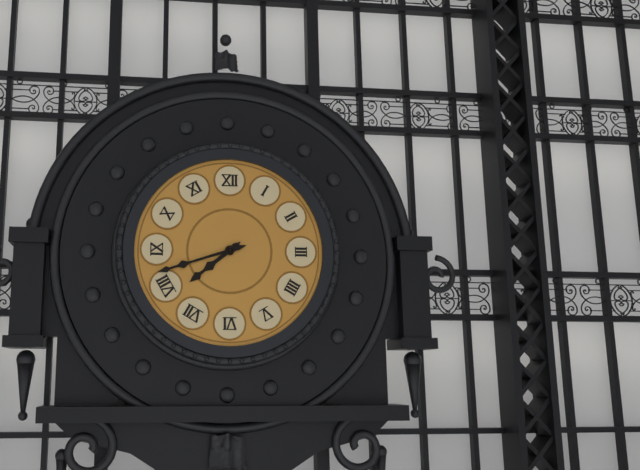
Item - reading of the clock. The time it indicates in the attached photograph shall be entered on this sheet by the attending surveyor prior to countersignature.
7:42
